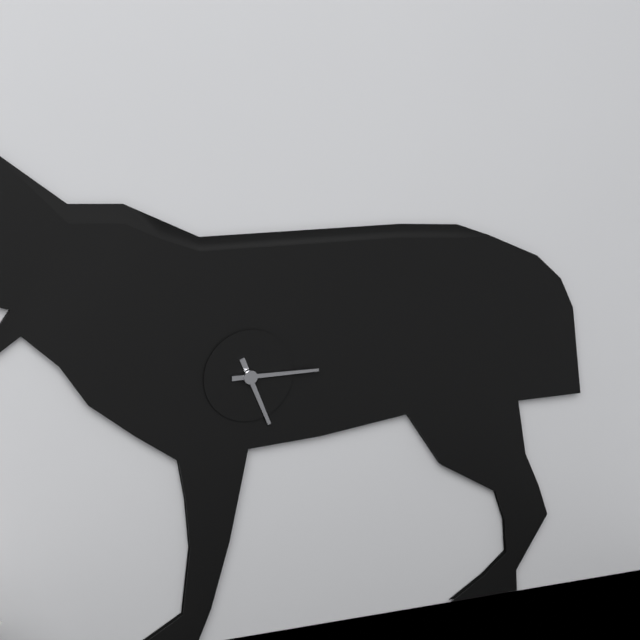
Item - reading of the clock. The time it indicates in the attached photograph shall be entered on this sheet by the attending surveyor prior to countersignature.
5:15
